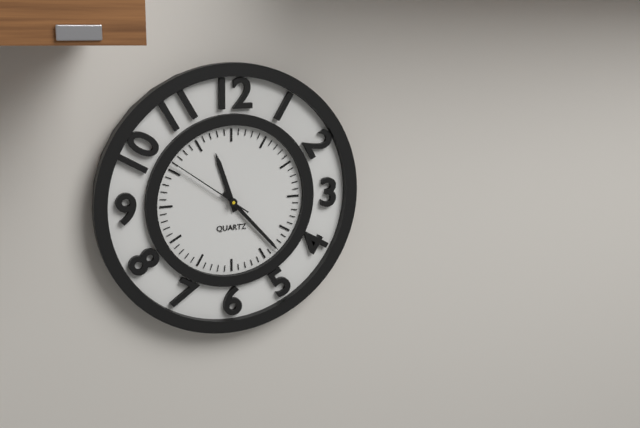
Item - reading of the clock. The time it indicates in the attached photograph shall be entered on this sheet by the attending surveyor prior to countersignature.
11:23:51
